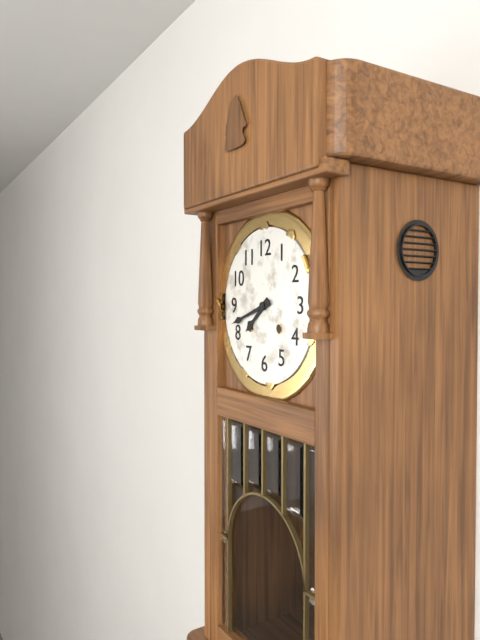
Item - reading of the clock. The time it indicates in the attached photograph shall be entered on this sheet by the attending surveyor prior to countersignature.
7:42
